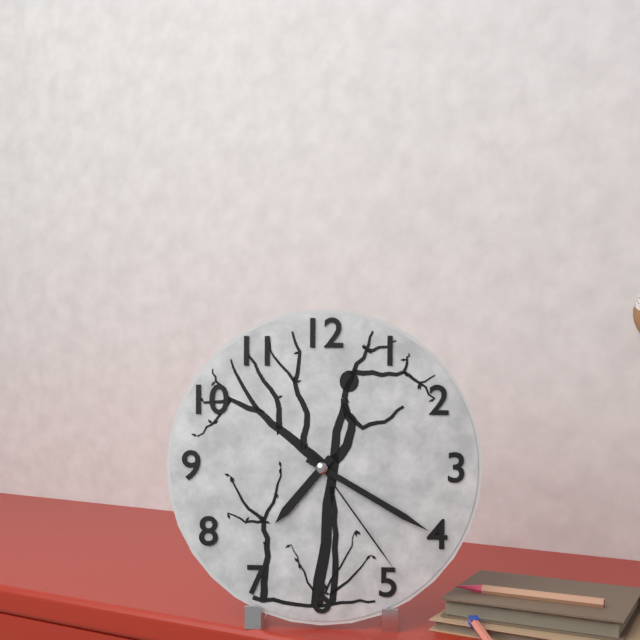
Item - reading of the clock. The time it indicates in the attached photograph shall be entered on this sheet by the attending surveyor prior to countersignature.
7:20:24
